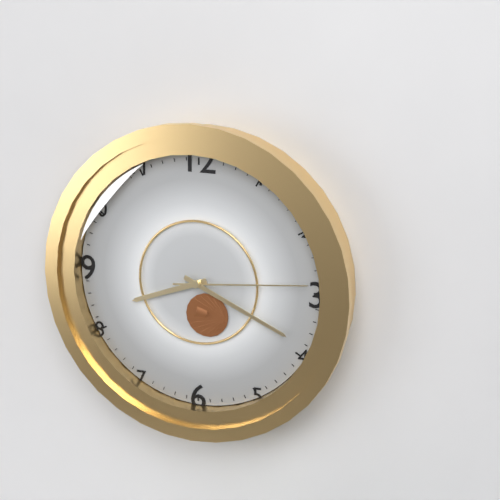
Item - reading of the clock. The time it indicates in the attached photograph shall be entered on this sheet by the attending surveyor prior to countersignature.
8:19:14
